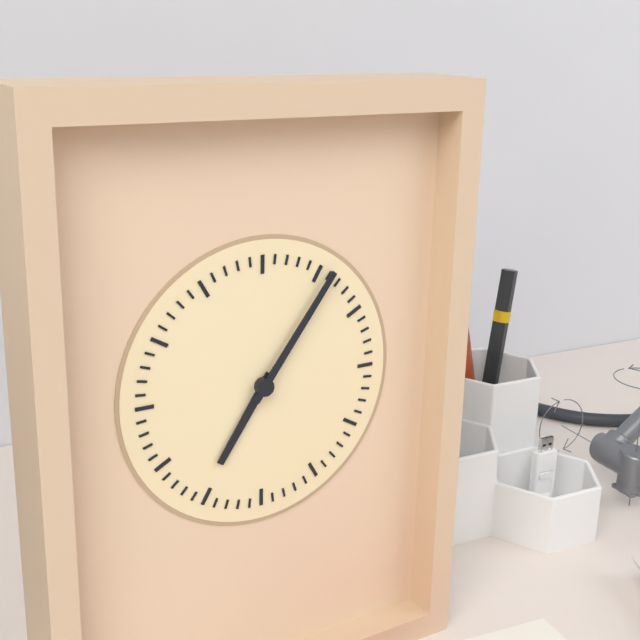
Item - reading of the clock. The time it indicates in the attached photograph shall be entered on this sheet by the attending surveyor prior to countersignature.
7:06
